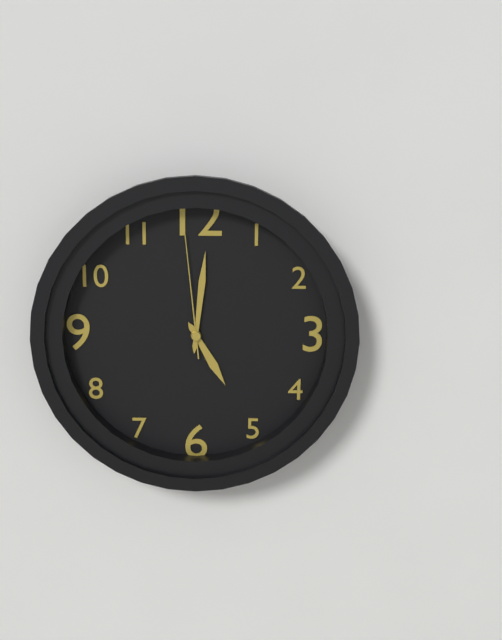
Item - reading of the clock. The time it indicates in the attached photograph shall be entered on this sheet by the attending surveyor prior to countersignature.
5:01:59
